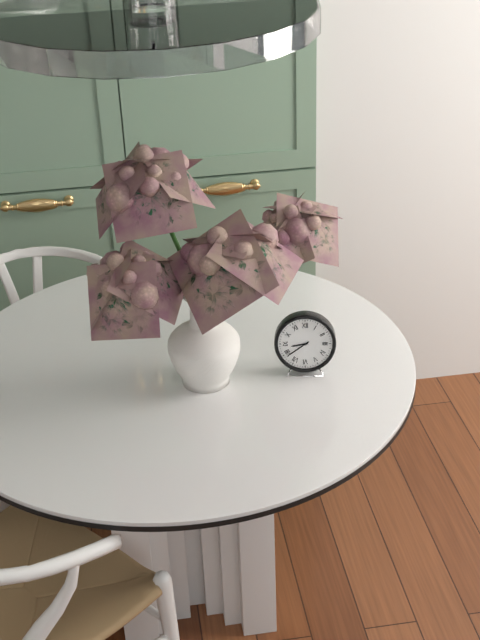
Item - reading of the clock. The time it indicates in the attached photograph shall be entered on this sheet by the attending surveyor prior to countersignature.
8:39
